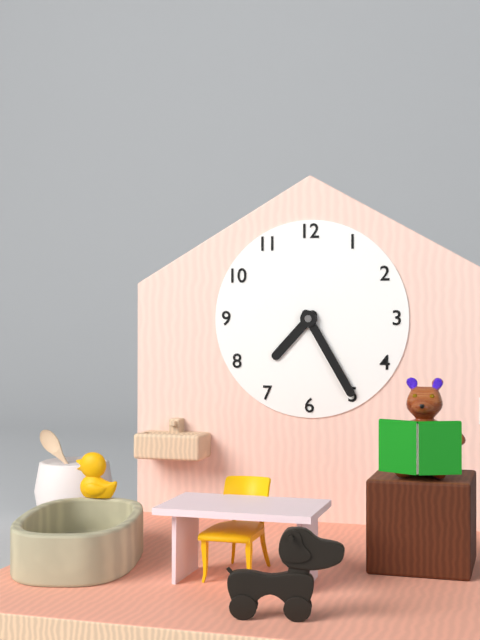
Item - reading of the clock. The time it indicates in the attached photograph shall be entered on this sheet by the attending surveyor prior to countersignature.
7:25
